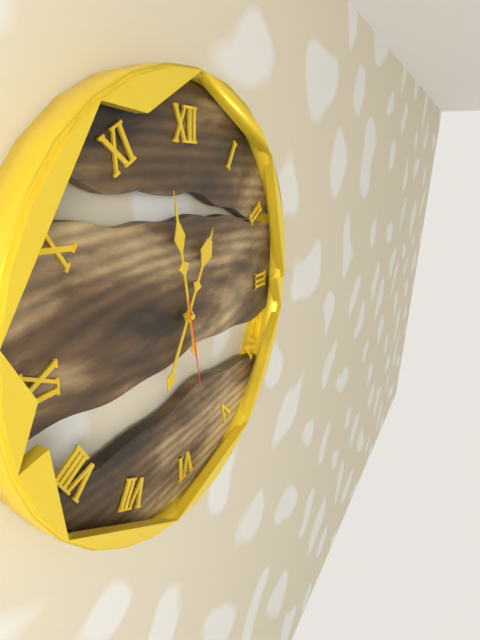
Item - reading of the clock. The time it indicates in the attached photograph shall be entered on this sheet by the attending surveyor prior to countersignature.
12:58:28
